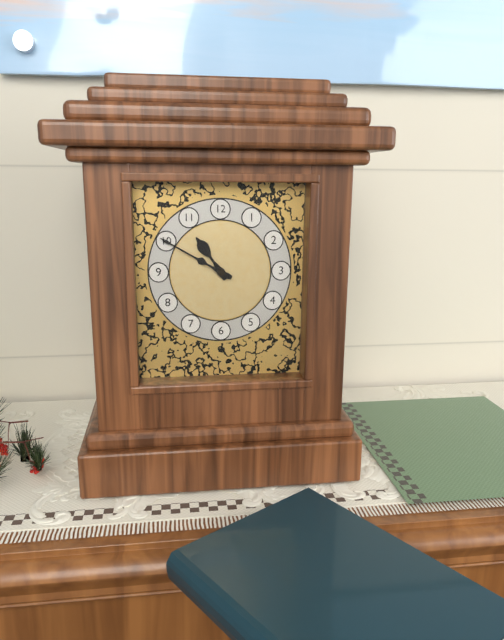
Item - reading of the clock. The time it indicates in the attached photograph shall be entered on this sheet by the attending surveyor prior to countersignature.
10:50
